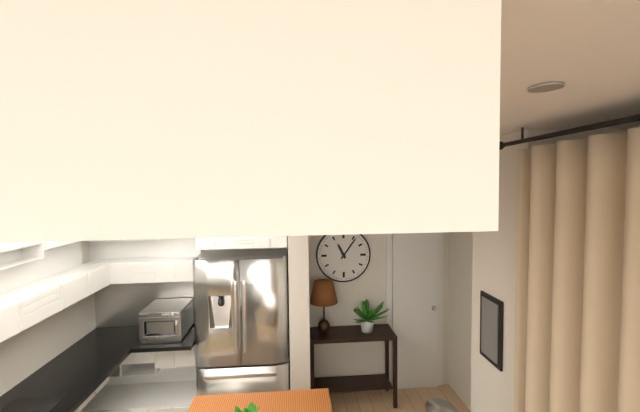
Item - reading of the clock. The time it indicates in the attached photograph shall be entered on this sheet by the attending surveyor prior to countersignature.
11:06
